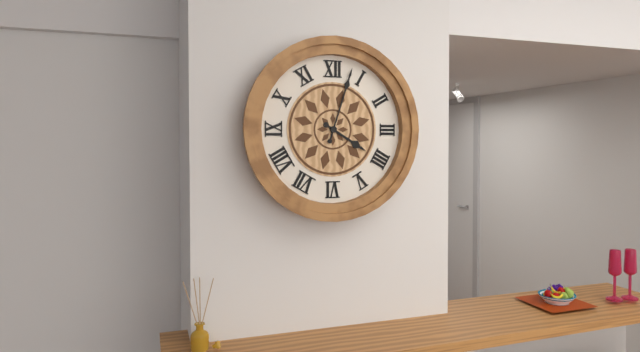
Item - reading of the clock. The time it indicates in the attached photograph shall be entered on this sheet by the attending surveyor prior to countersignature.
4:03
